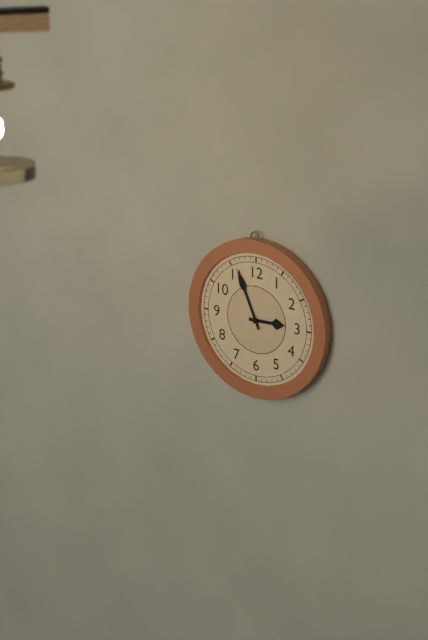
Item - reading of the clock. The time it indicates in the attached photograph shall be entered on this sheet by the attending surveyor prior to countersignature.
2:56
